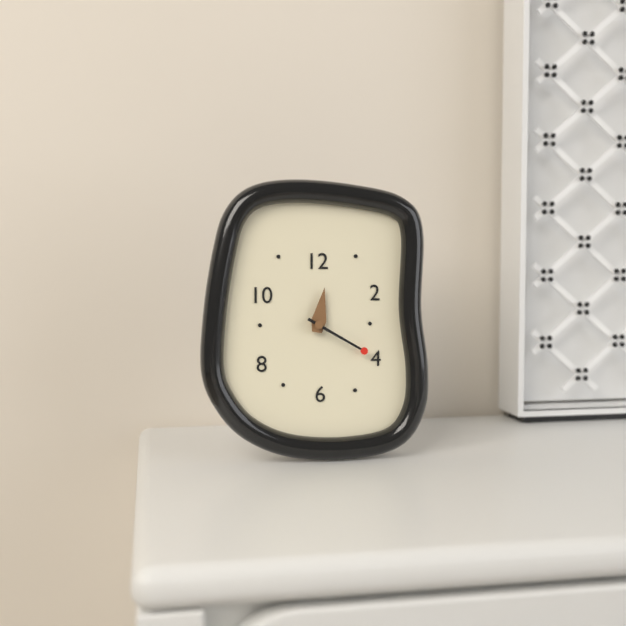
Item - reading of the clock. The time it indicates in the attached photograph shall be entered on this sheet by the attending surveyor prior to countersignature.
12:20
